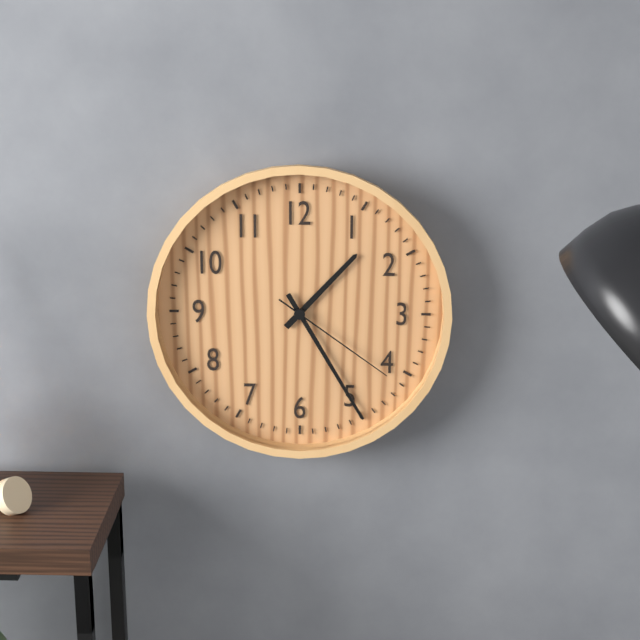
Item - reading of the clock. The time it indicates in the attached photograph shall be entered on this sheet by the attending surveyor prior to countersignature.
1:25:21
